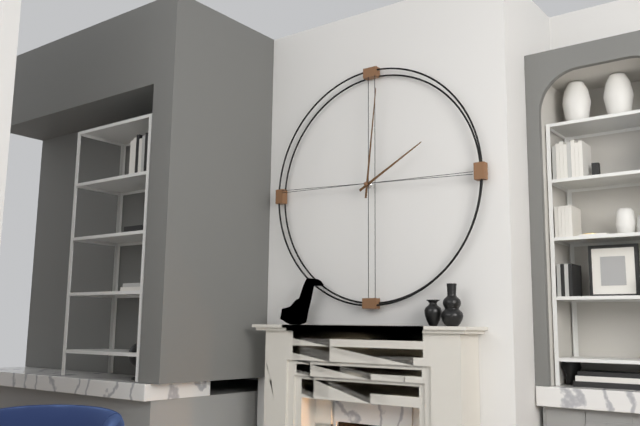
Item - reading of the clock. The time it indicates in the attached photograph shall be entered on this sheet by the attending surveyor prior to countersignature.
2:01
